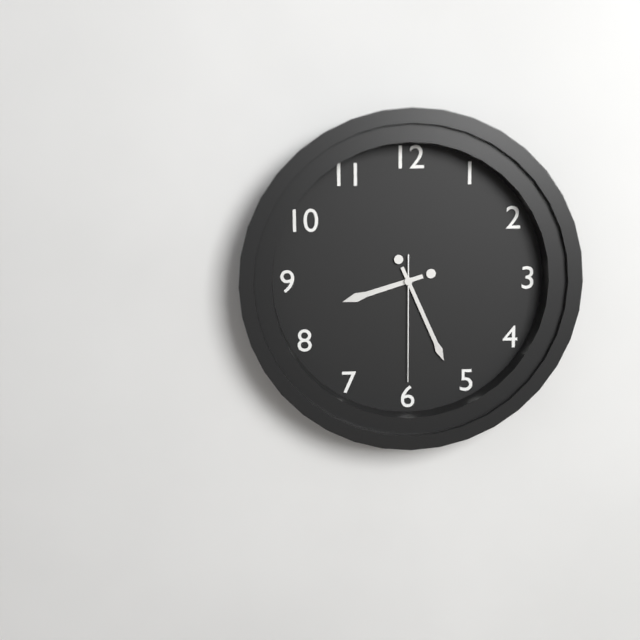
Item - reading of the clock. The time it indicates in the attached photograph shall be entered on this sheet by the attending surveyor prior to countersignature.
8:26:30
